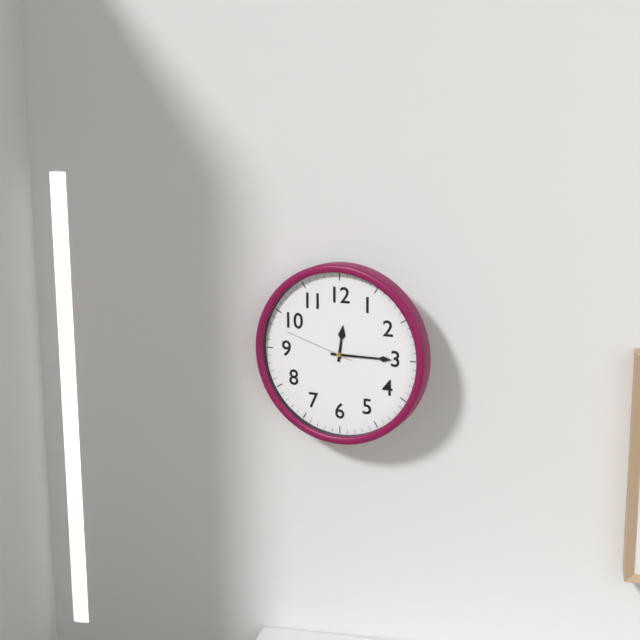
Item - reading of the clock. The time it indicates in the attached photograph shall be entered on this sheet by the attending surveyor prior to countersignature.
12:15:48
